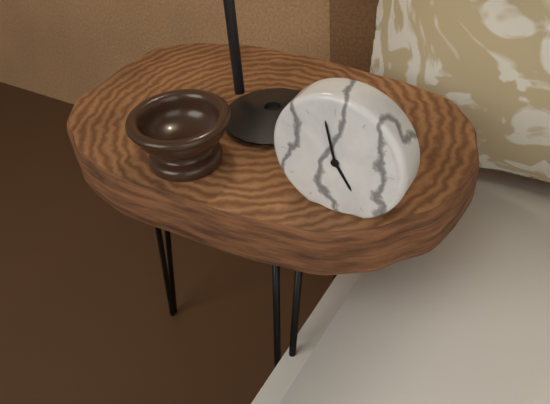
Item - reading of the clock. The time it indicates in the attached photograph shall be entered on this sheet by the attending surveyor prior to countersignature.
4:58
